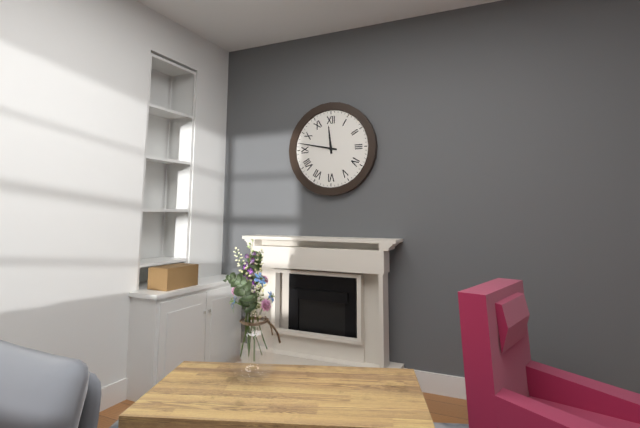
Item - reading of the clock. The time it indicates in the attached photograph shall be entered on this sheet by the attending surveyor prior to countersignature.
11:47
